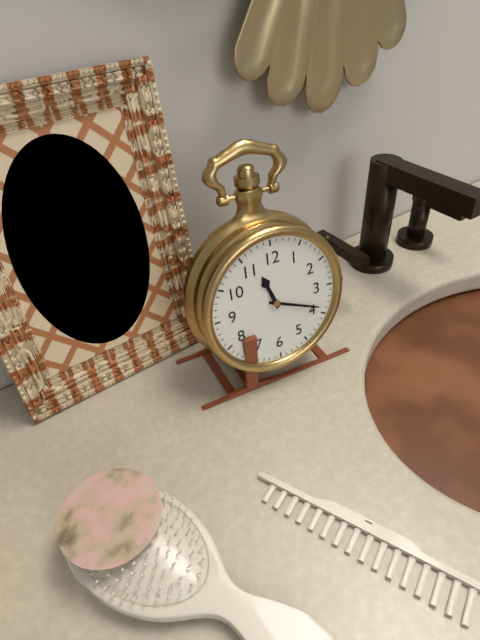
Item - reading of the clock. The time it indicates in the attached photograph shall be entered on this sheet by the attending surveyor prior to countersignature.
11:19
